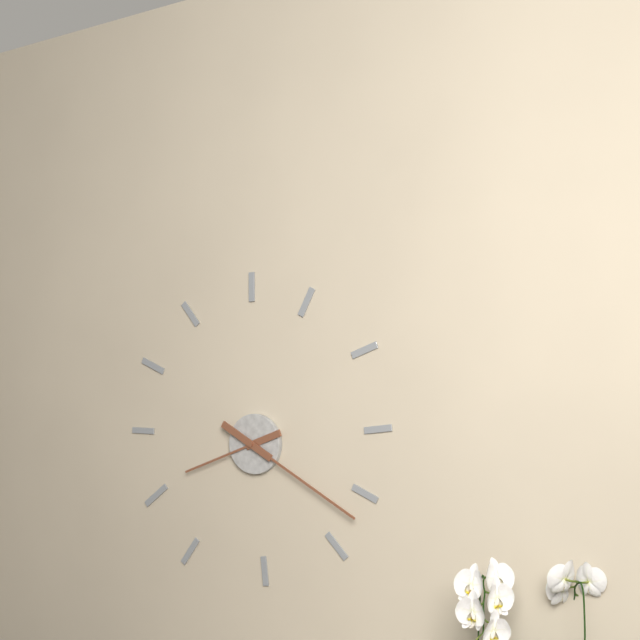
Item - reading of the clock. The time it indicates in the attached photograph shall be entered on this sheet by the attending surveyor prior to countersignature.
8:20
